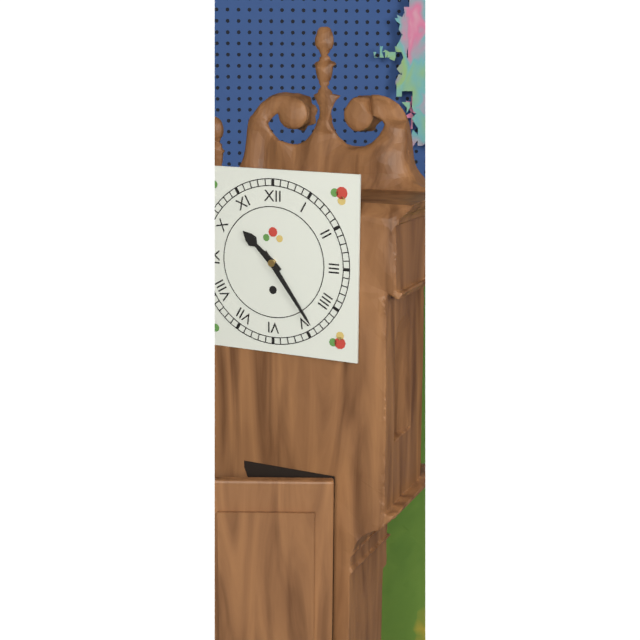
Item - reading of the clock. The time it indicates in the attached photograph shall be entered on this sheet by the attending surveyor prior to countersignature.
10:24
